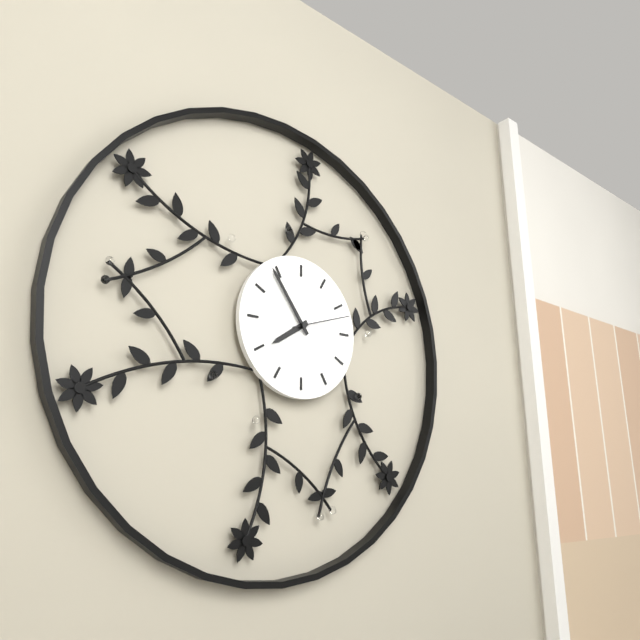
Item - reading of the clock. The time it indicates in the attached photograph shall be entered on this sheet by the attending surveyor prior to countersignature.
7:54:12
